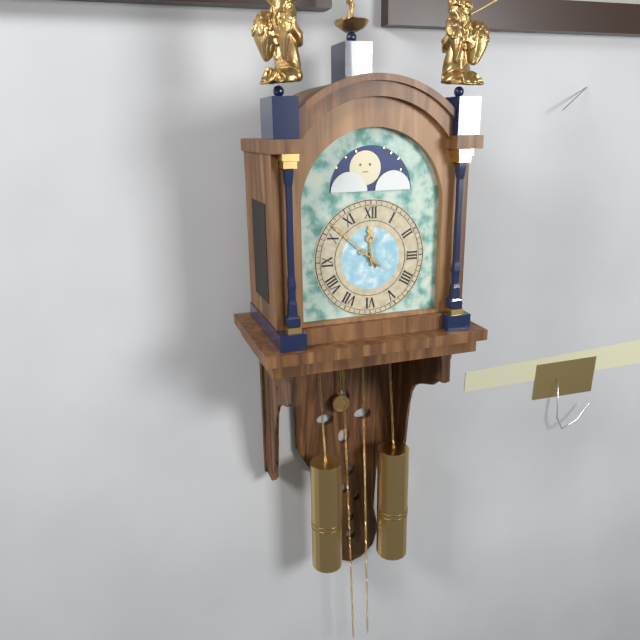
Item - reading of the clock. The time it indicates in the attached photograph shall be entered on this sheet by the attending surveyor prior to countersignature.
11:52
